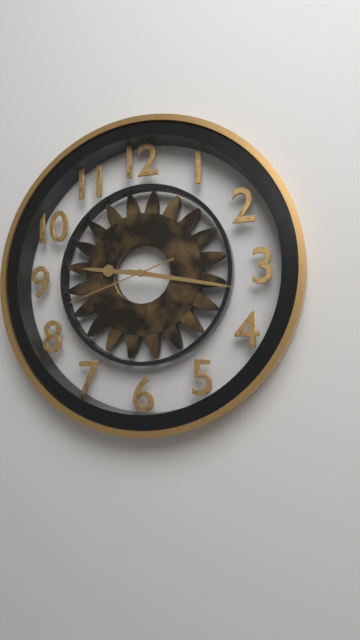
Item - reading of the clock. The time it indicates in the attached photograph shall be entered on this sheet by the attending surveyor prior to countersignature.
9:17:42
